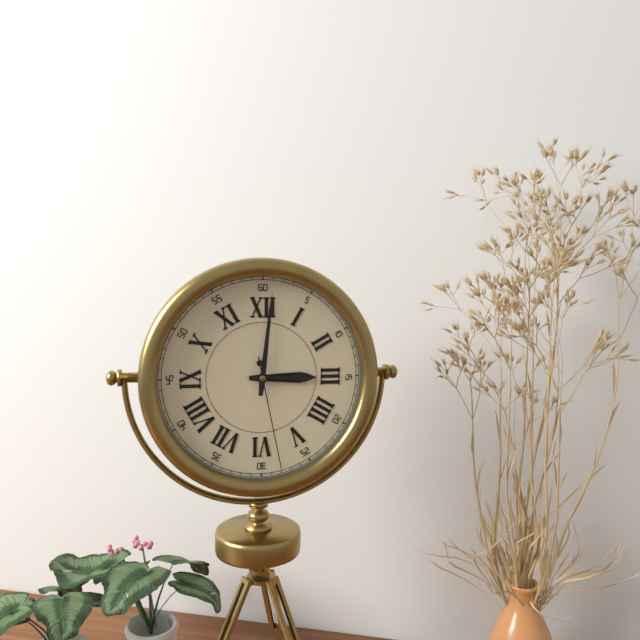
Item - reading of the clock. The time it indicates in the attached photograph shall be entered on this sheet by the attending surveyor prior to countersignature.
3:01:28
